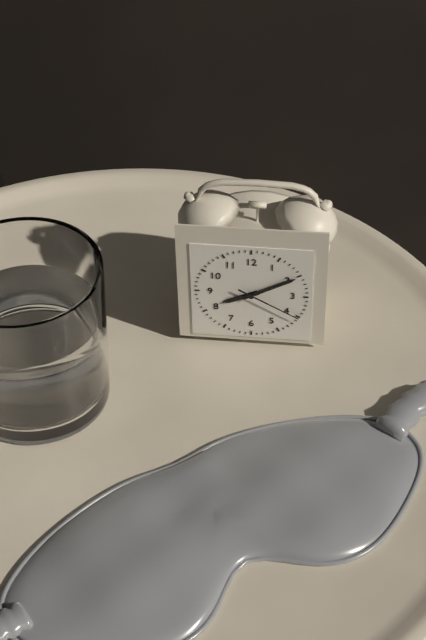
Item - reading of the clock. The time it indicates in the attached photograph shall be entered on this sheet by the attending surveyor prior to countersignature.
8:10:20
